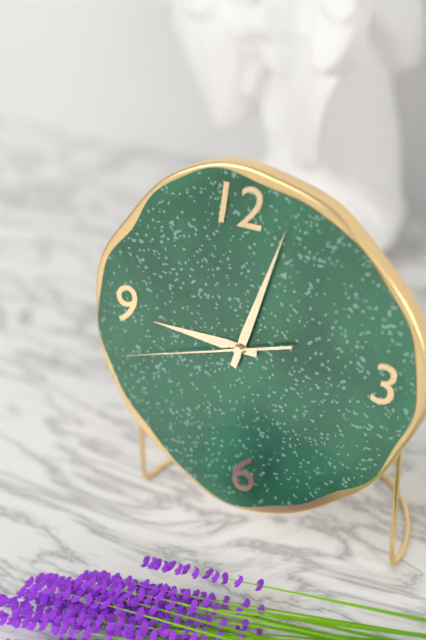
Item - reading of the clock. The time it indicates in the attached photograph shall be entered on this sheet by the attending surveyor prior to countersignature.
9:03:42
